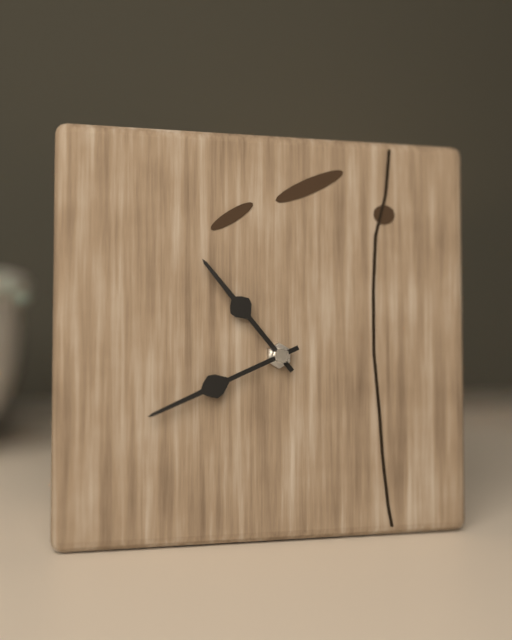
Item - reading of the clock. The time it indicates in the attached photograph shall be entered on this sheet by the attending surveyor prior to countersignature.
10:41
